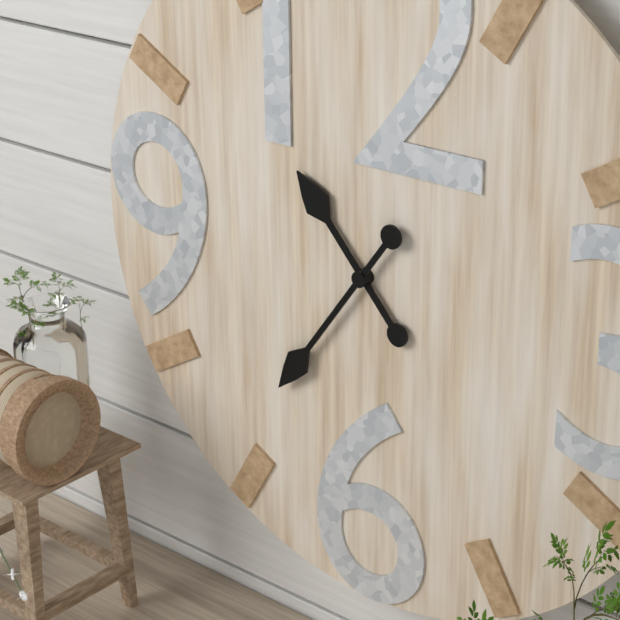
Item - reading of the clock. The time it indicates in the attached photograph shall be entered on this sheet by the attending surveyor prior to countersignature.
10:36
